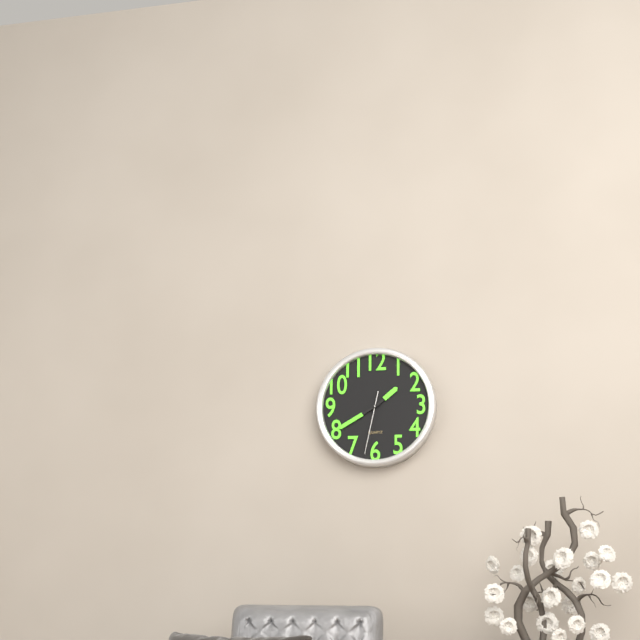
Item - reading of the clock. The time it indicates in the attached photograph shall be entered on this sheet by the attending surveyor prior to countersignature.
1:40:32
